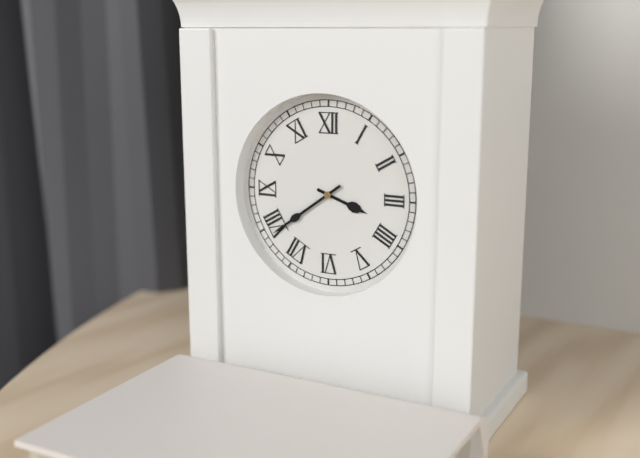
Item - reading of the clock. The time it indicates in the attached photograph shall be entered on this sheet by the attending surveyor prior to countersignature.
3:39
